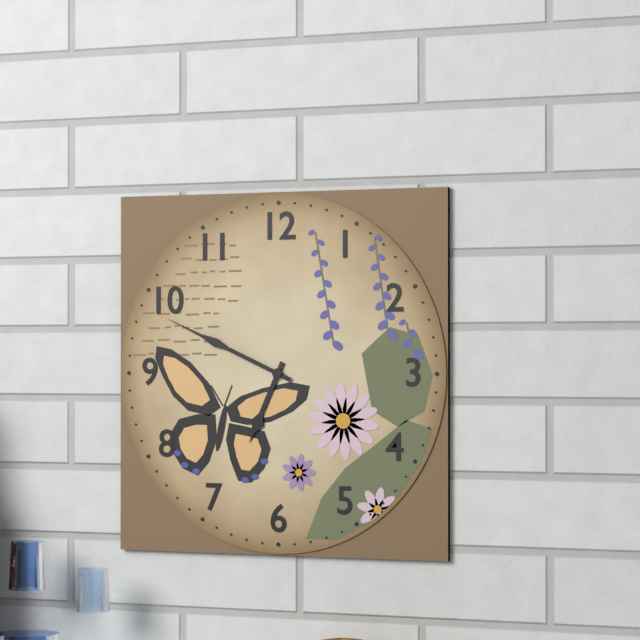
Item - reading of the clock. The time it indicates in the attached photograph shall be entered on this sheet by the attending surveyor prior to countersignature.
6:49
